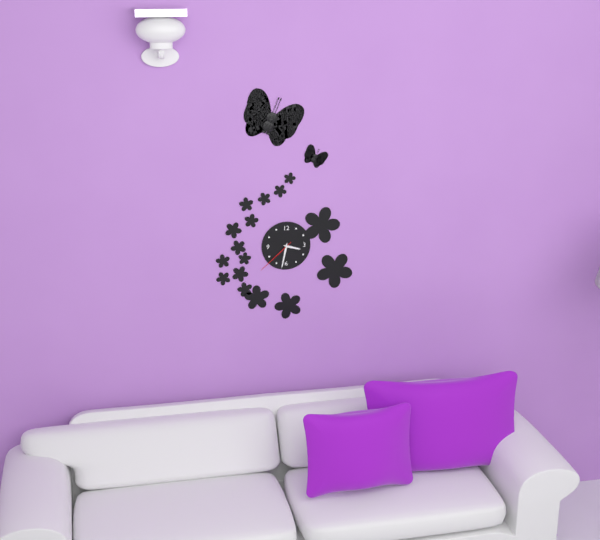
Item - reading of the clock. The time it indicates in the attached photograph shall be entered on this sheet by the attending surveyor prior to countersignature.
3:32
